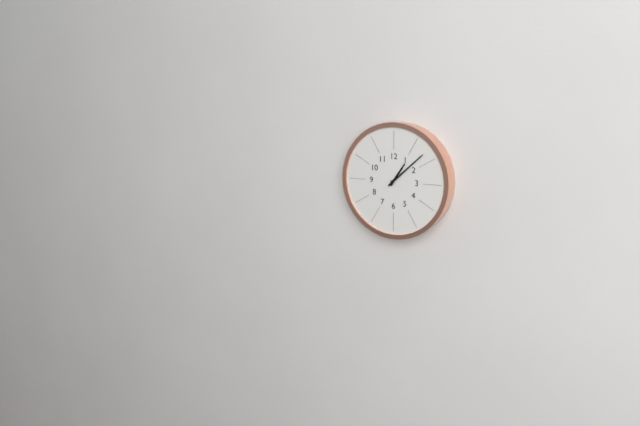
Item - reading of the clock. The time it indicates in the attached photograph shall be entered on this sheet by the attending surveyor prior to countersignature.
1:08
